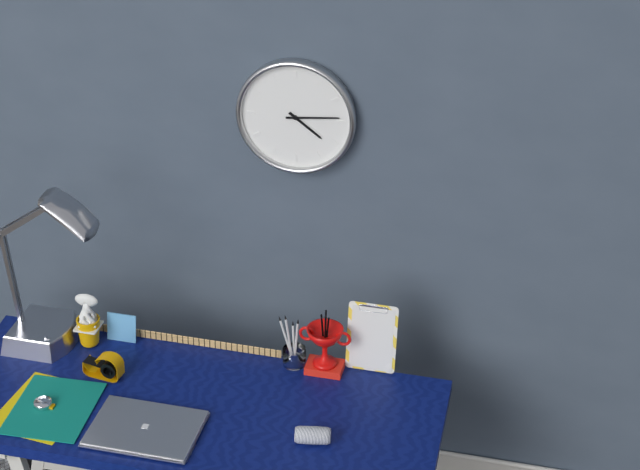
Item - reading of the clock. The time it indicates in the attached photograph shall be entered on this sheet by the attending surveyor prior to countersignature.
4:14
